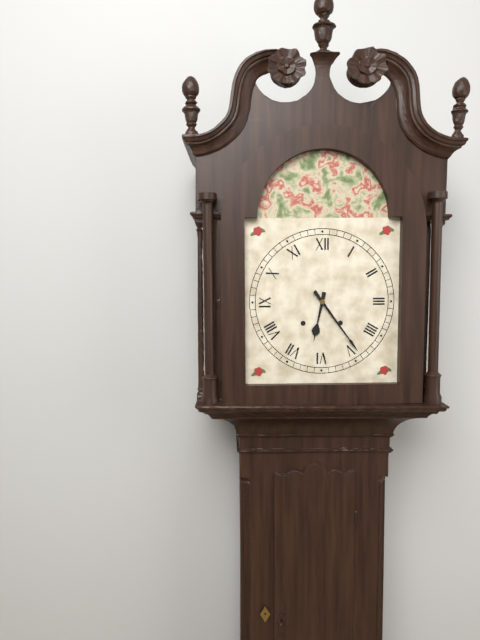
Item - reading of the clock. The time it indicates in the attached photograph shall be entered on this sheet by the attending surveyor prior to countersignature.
6:24
